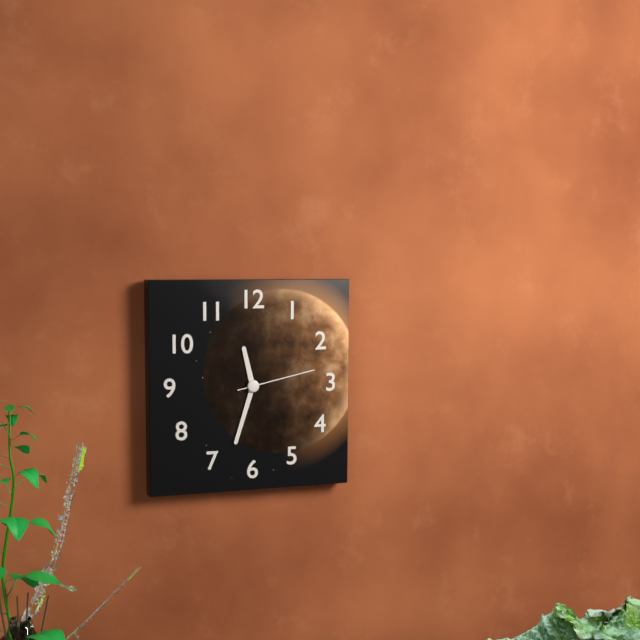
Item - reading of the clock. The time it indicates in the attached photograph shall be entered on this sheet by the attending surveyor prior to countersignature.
11:33:13
